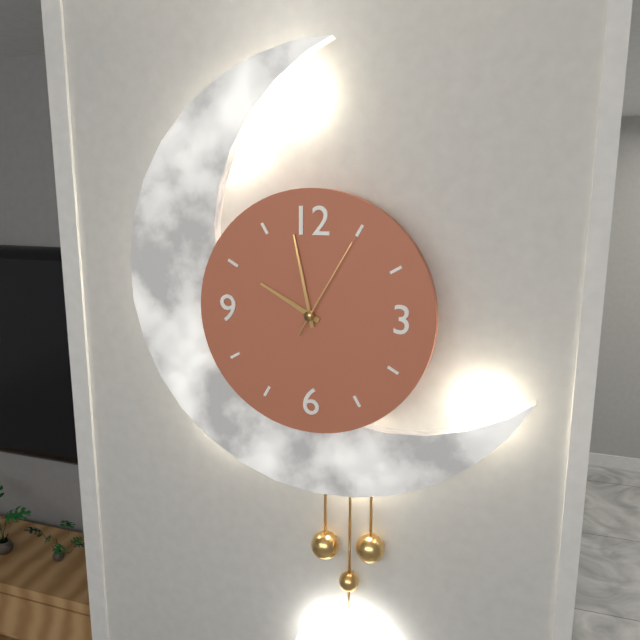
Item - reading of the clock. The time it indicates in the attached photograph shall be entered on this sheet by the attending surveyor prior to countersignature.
9:58:05
